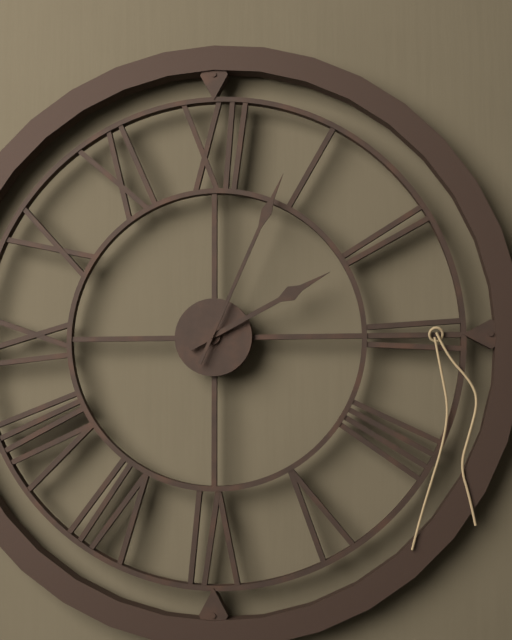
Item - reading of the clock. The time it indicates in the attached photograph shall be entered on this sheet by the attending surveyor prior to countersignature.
2:04
